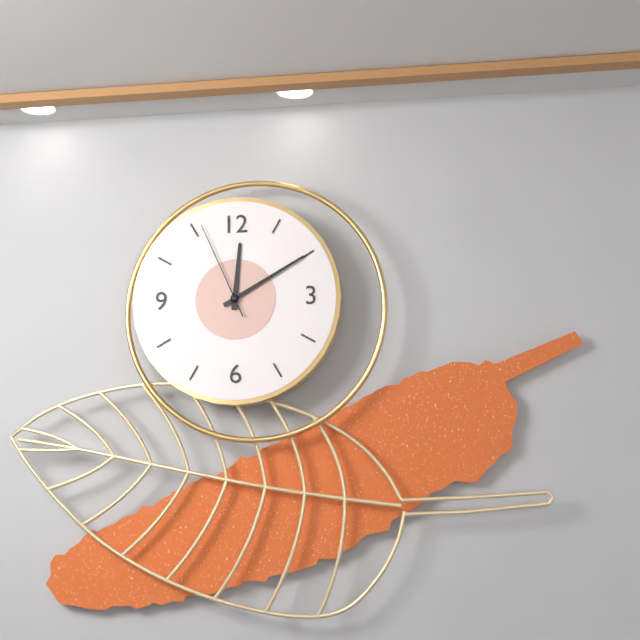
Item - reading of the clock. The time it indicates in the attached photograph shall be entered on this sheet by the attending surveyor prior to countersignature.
12:10:56
